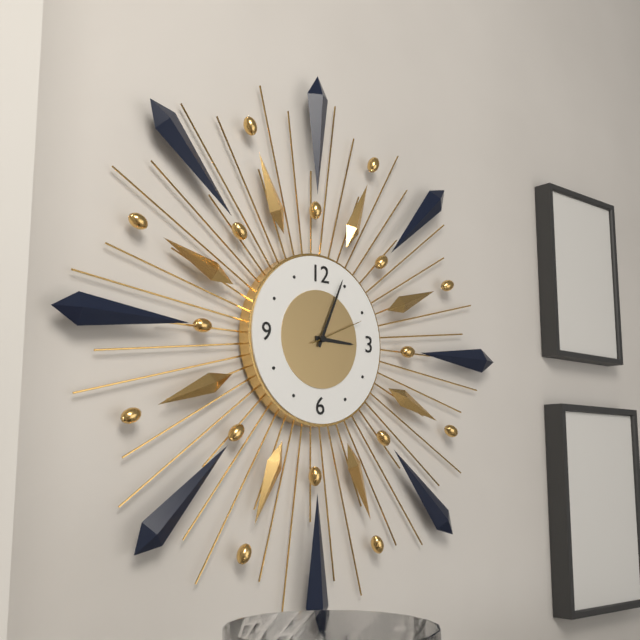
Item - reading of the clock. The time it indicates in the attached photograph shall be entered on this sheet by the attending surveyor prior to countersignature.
3:04:11
